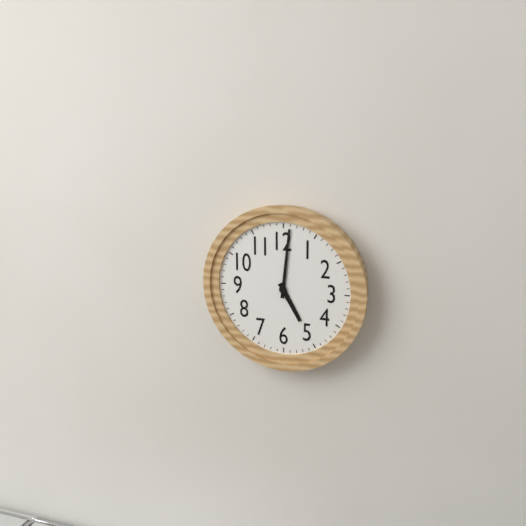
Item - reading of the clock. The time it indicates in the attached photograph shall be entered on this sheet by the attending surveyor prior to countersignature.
5:01
